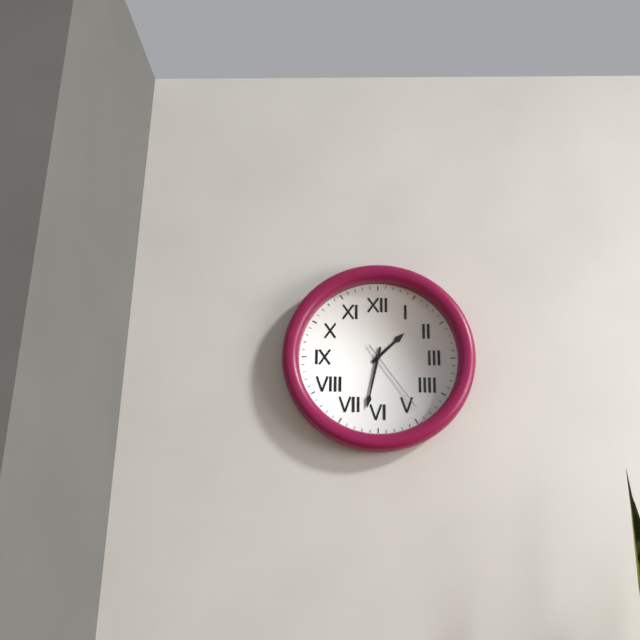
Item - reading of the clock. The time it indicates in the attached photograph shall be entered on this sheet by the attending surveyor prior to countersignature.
1:32:24
